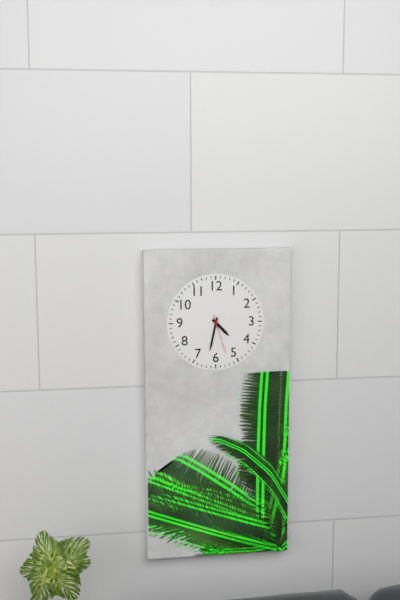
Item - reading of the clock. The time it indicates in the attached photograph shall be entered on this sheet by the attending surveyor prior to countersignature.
4:32
